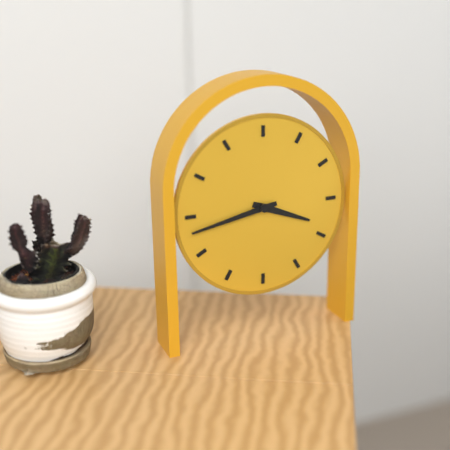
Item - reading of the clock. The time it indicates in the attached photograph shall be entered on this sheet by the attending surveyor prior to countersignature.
3:43
